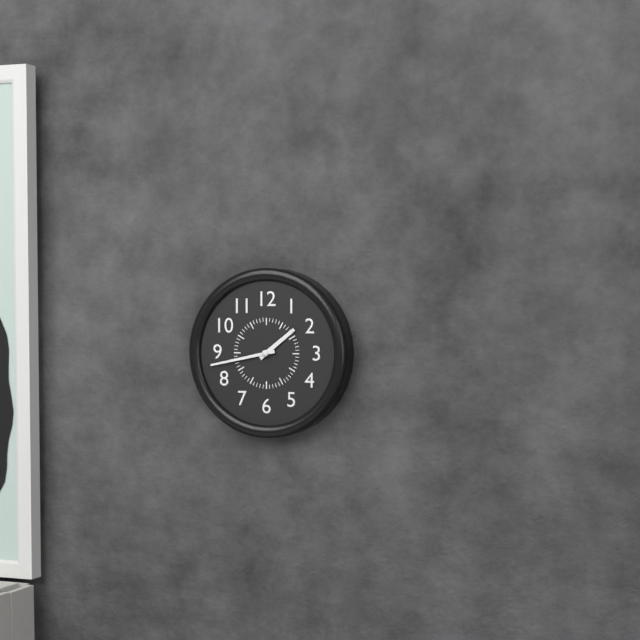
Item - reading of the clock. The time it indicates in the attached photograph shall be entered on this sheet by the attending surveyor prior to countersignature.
1:43
